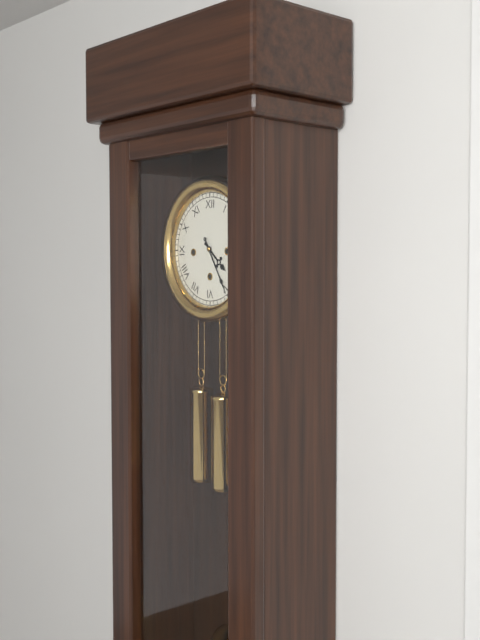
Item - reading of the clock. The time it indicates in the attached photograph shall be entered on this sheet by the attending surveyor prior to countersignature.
4:25
